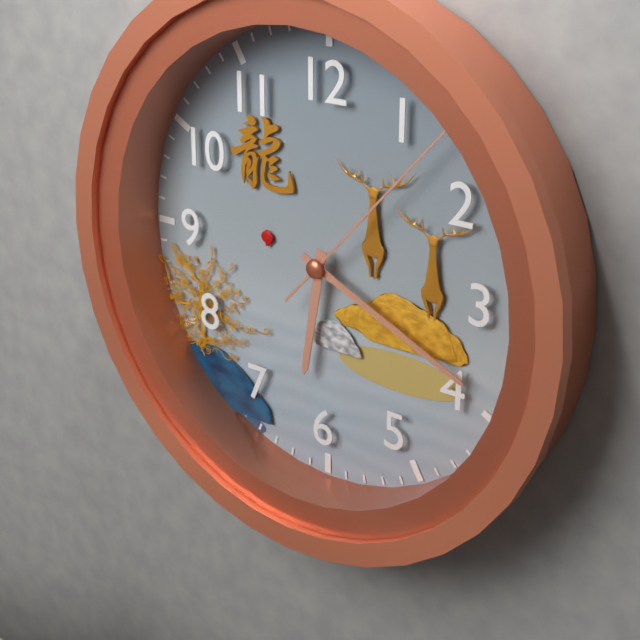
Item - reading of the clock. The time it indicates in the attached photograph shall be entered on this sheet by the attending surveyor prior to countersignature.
6:19:07
